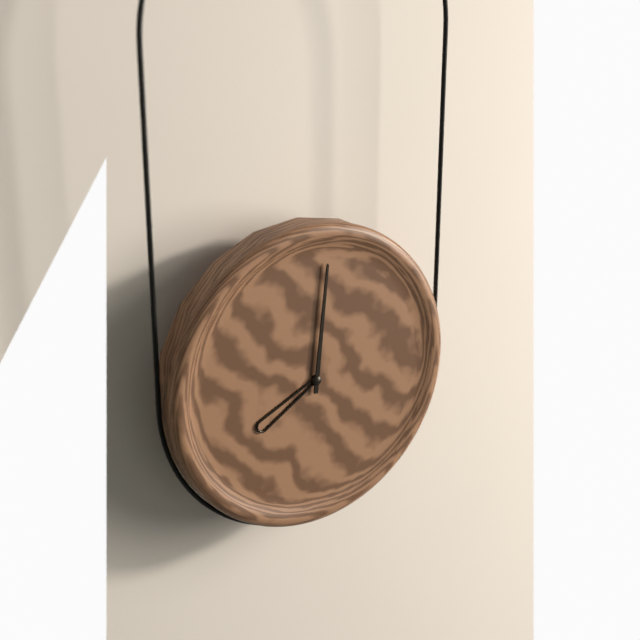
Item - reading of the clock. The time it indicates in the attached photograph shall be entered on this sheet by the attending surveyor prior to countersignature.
8:01
